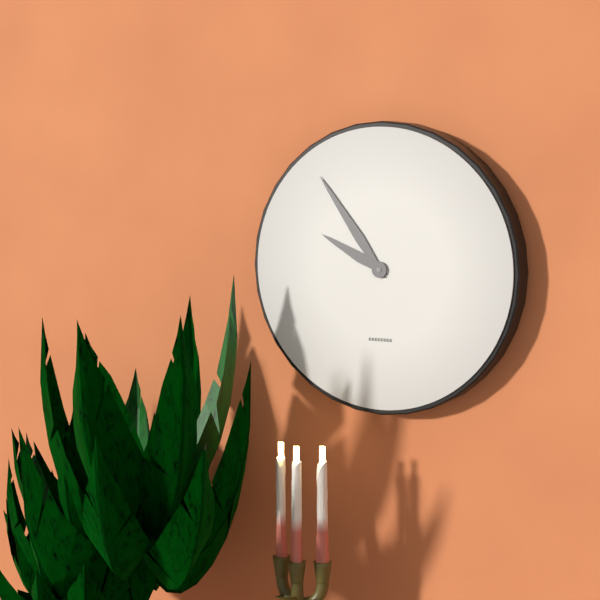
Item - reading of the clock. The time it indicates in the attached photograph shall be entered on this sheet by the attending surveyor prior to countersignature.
9:54
